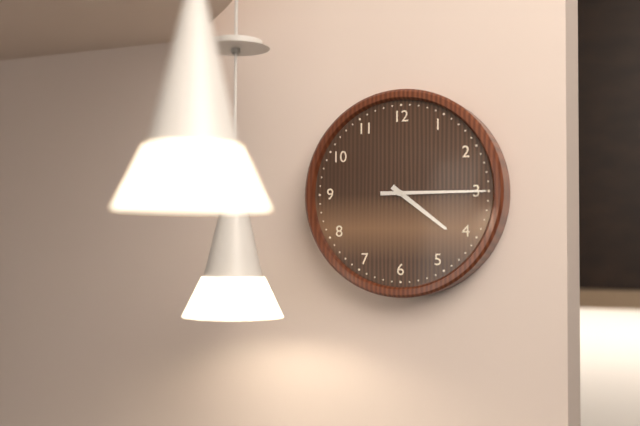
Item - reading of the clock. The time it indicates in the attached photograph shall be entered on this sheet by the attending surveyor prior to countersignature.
4:15
